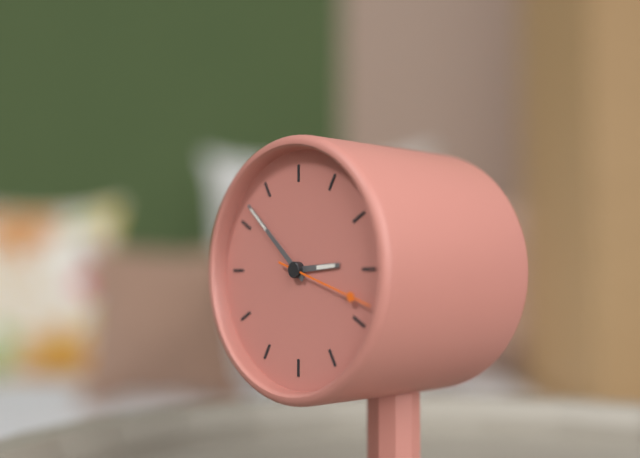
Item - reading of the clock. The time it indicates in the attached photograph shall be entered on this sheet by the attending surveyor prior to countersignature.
2:52:18
